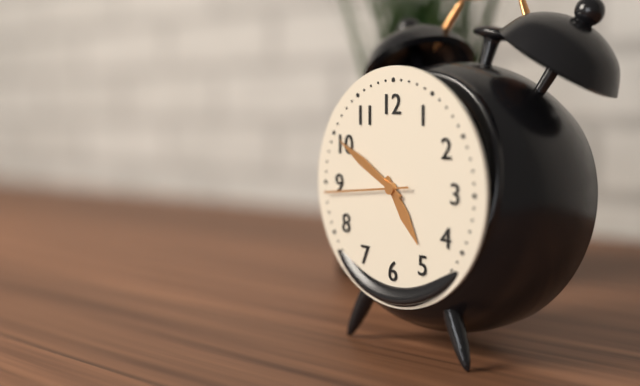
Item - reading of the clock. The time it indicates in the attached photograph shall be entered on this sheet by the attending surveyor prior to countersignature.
4:50:44
